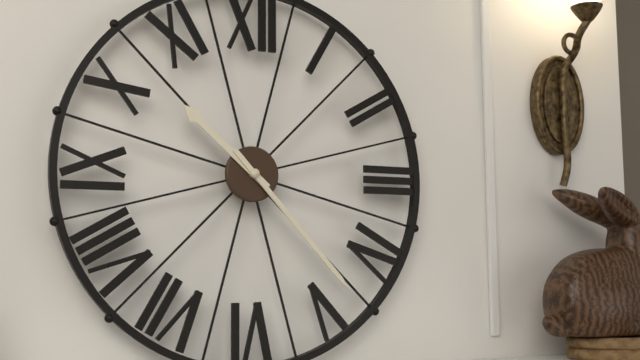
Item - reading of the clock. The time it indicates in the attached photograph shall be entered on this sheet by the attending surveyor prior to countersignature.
10:23
